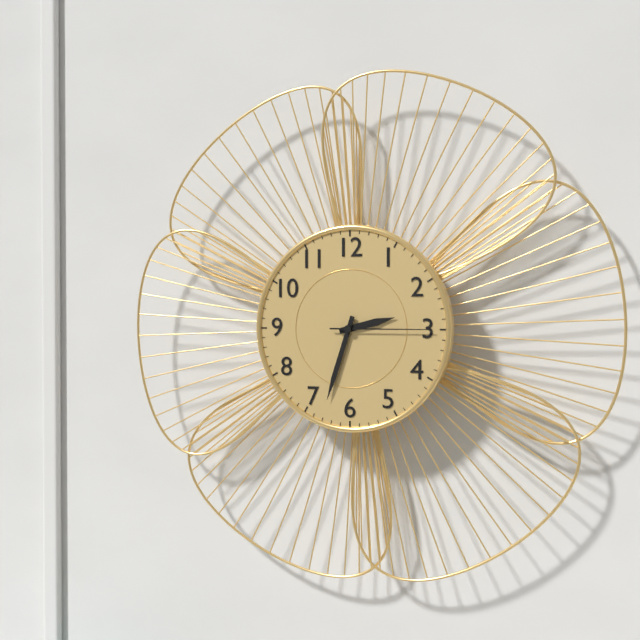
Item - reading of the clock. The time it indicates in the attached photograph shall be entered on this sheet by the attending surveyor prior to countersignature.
2:33:15
